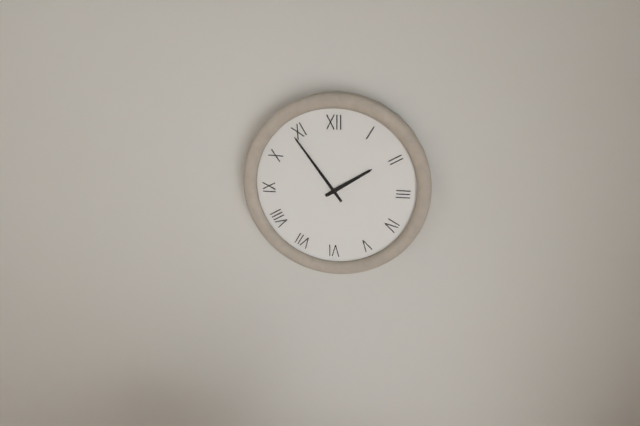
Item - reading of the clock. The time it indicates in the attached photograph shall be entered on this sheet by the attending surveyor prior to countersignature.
1:54
